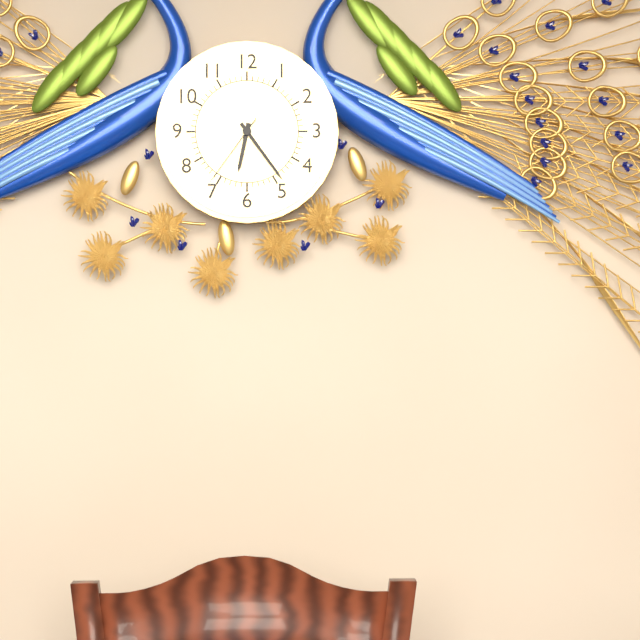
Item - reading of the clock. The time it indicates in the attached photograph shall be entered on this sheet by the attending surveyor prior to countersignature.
6:24:36
